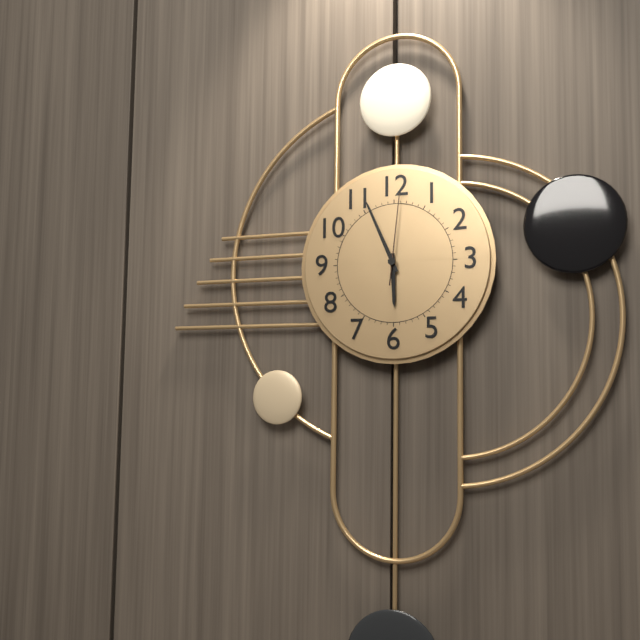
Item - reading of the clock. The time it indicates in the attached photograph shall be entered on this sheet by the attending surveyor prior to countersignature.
5:56:01
